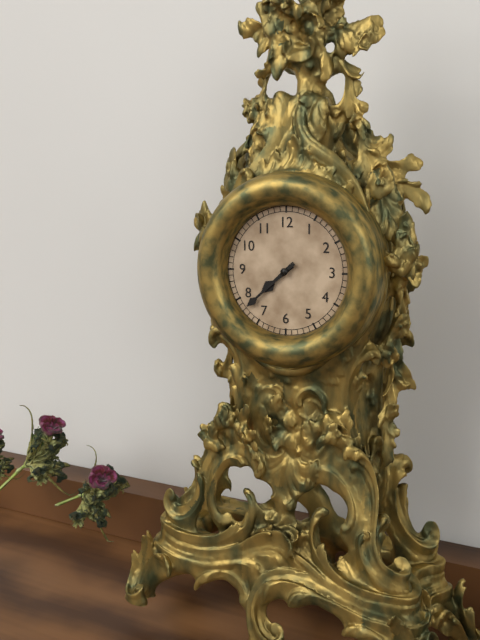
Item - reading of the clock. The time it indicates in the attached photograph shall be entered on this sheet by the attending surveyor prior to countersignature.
7:38
